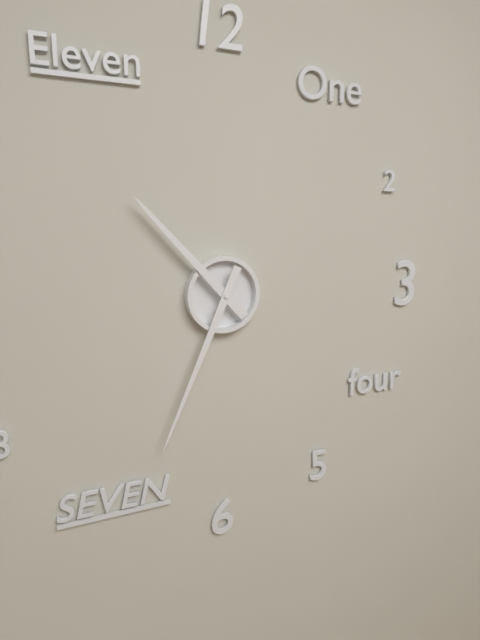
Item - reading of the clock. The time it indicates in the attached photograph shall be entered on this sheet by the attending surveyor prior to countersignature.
10:34
